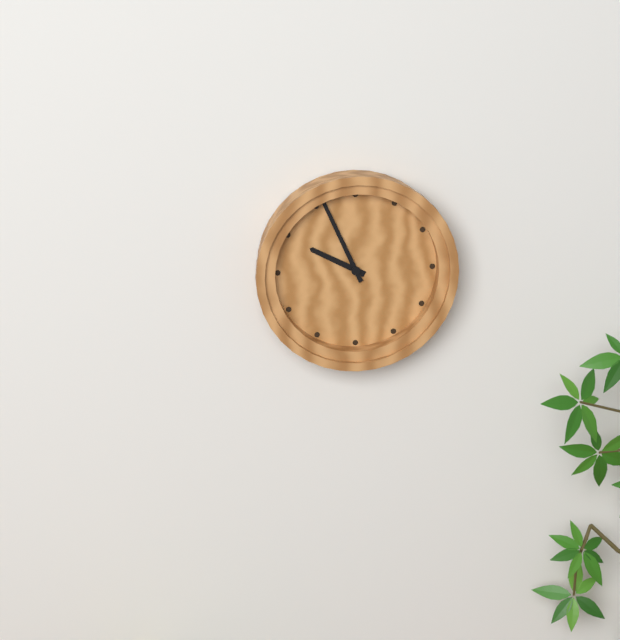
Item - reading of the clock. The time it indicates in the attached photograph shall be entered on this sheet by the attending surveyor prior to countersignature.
9:56
